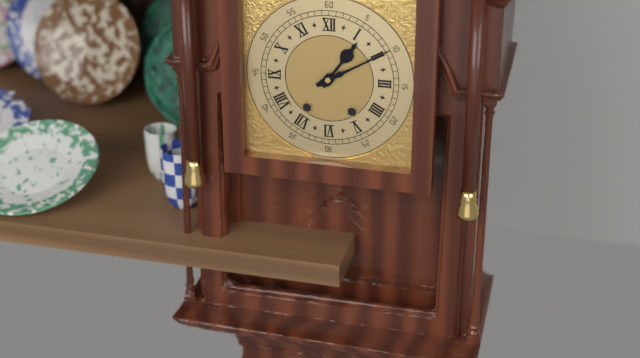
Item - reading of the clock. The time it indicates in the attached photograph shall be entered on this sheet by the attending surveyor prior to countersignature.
1:10
